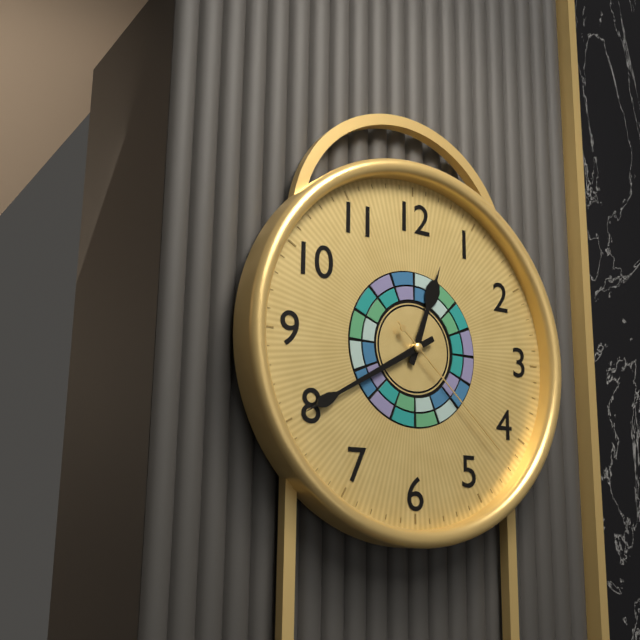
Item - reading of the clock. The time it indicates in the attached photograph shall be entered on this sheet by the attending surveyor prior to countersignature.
12:40:22
